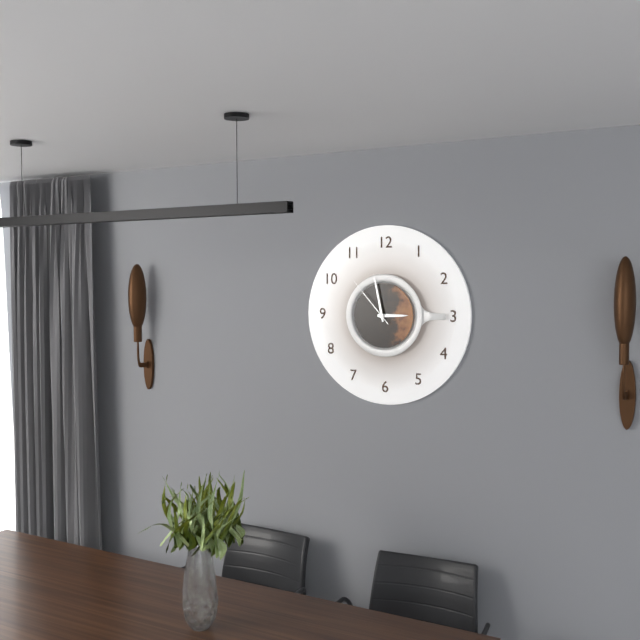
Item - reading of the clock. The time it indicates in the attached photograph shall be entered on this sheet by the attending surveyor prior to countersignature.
2:58:53
